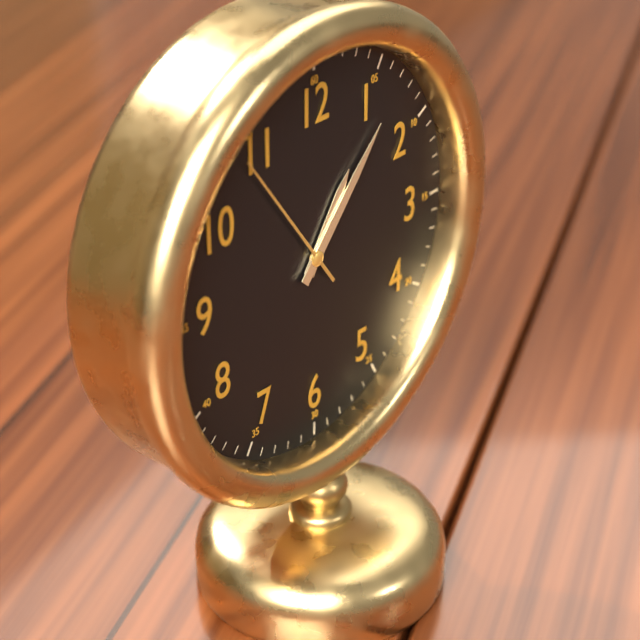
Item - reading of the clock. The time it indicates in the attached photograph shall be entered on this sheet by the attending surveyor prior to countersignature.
1:07:54
